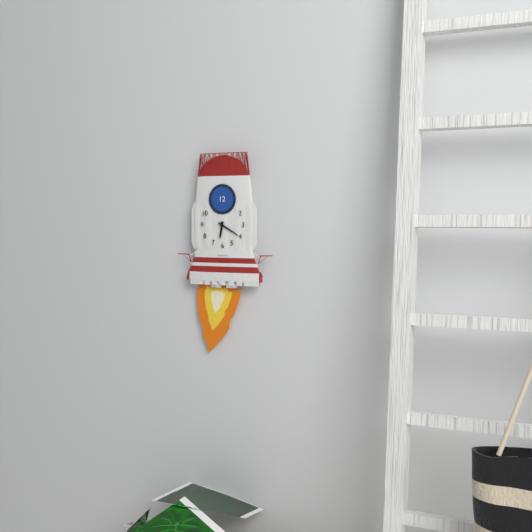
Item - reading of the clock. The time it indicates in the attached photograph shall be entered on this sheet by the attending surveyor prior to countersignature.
6:20
